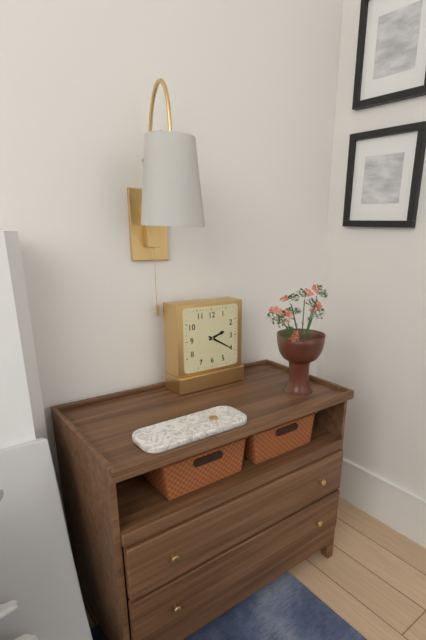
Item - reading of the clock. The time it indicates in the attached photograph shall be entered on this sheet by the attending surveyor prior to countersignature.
2:20
